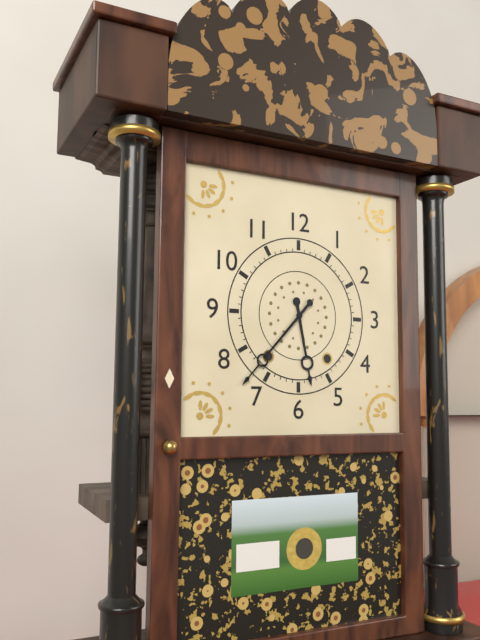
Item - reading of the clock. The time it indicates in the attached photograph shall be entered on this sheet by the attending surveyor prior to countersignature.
5:37
